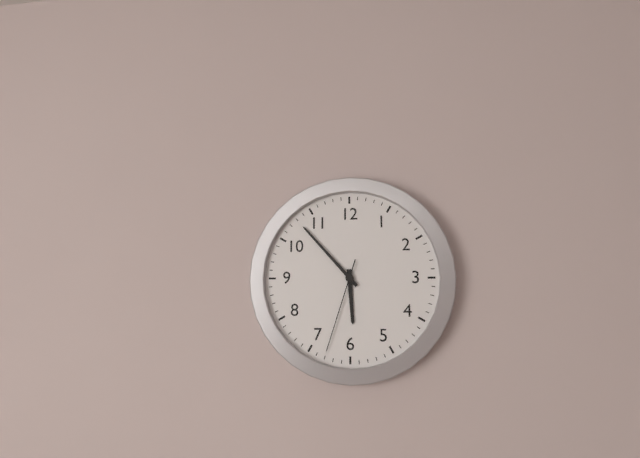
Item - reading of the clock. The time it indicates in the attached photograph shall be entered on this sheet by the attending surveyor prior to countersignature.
5:53:33
